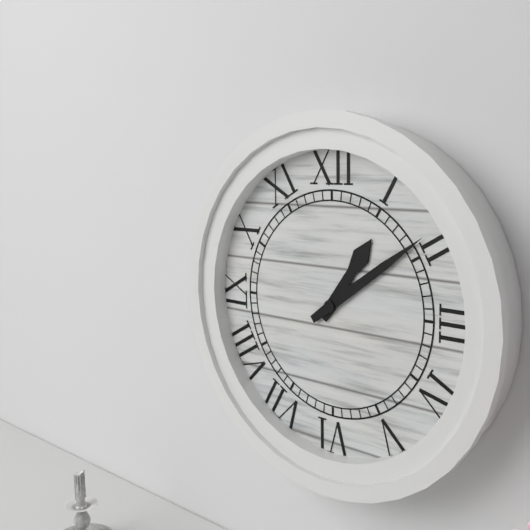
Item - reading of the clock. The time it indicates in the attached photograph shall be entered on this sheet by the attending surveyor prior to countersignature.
1:09
